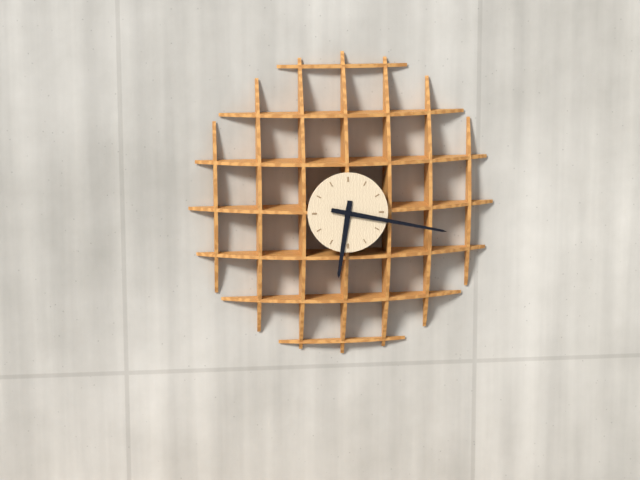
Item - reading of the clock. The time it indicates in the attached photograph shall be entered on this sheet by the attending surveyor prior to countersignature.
6:17
